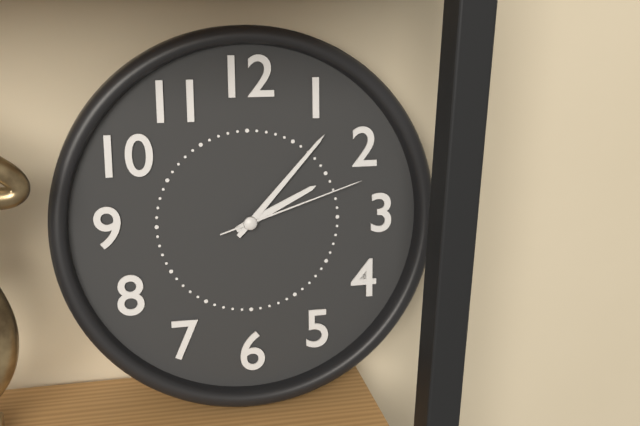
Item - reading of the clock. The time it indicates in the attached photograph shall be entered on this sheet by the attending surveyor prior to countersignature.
2:07:12
